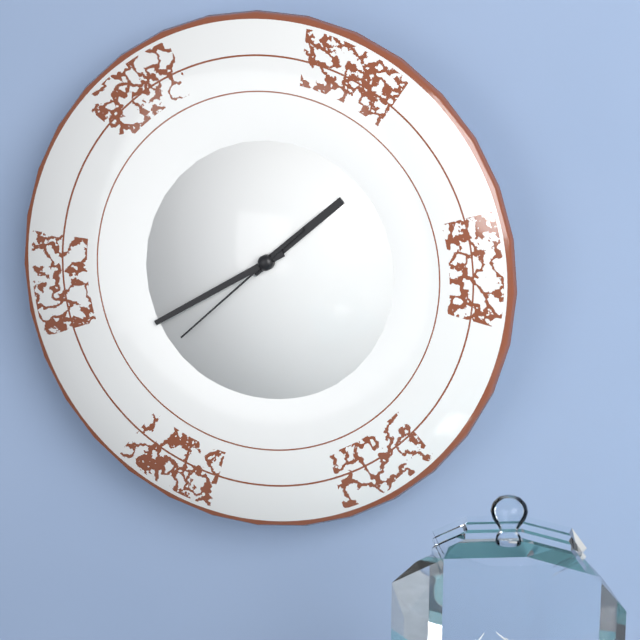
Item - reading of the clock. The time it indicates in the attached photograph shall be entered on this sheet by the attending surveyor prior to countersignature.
1:40:38
